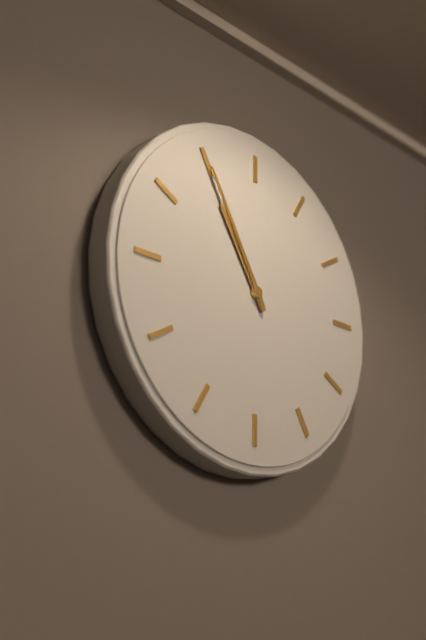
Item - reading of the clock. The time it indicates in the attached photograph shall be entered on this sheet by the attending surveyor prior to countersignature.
10:55
